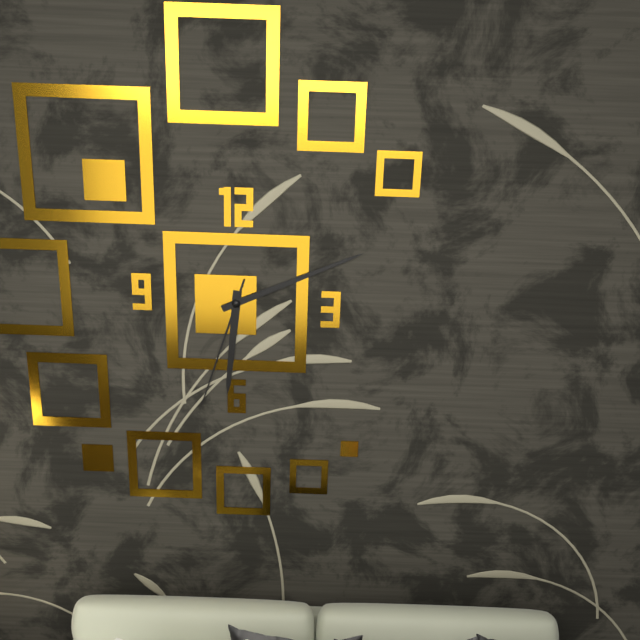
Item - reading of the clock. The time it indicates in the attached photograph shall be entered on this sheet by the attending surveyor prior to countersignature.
6:11:33
